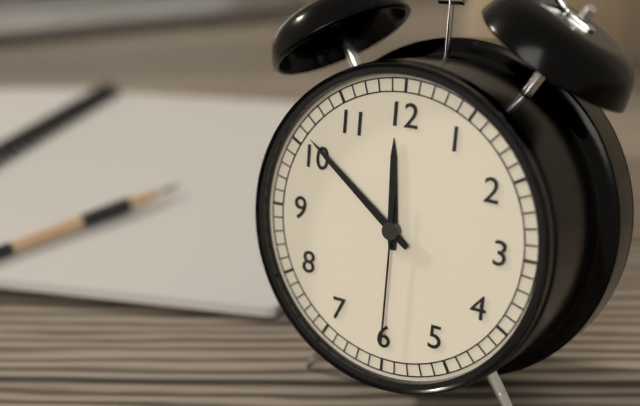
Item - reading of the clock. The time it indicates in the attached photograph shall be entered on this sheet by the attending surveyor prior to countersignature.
11:51:30
